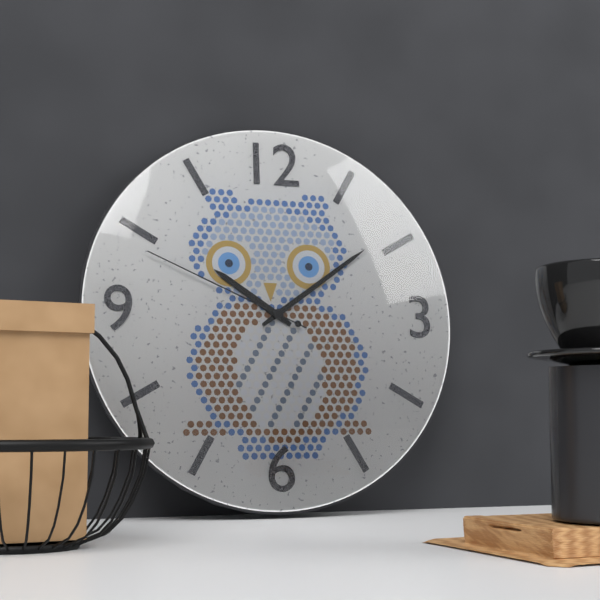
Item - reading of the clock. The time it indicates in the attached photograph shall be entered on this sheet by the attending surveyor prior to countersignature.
10:09:49
